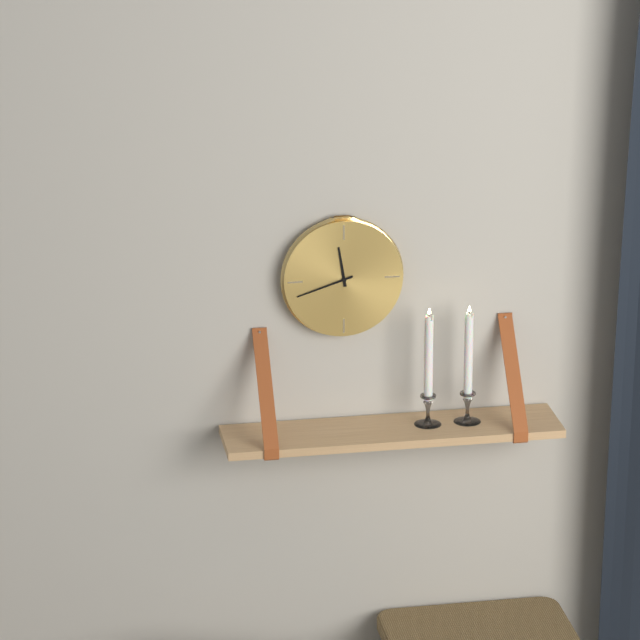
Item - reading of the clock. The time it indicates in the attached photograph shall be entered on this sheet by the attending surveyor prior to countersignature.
11:42
